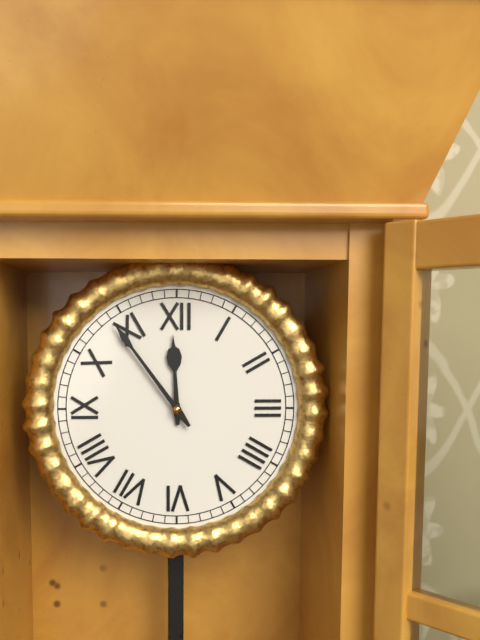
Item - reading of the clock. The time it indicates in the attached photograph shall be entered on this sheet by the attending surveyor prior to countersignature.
11:54
